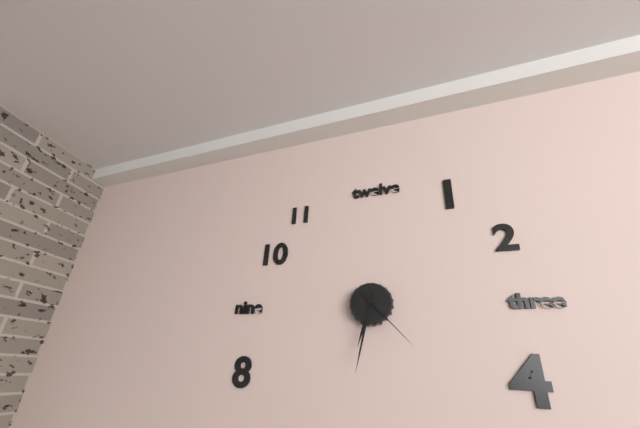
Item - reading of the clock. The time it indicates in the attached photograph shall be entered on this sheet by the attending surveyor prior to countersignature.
6:32:23
